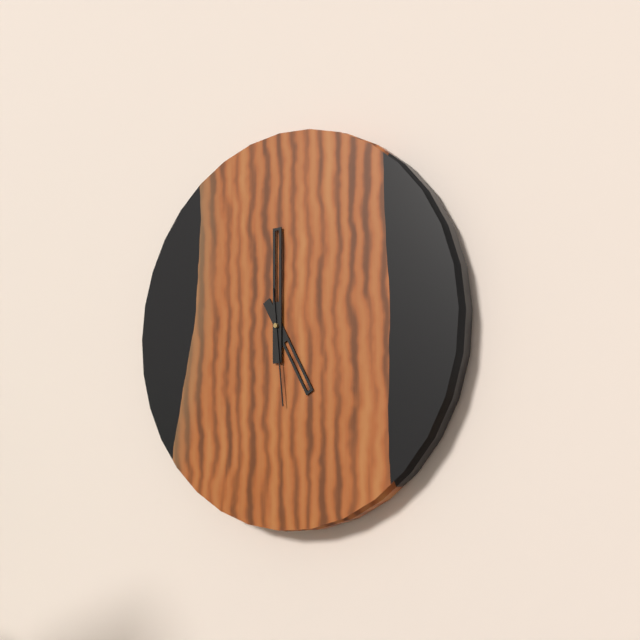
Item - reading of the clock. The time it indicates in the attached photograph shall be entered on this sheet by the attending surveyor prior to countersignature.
5:00:29
